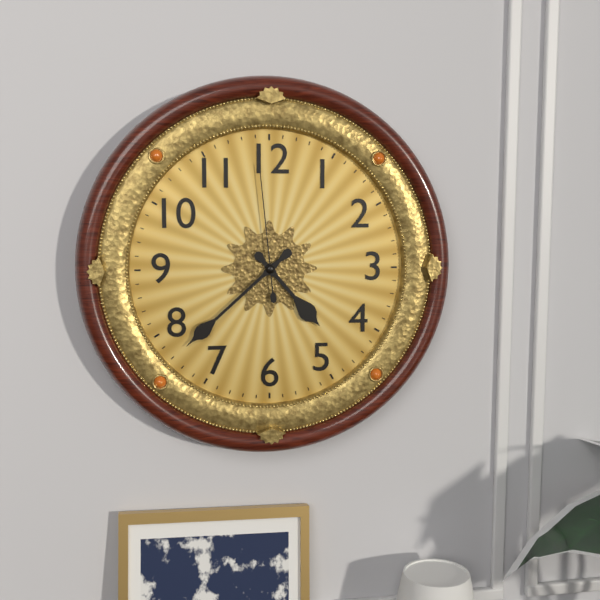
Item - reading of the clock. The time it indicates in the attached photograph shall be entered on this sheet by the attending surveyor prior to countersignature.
4:38:59
